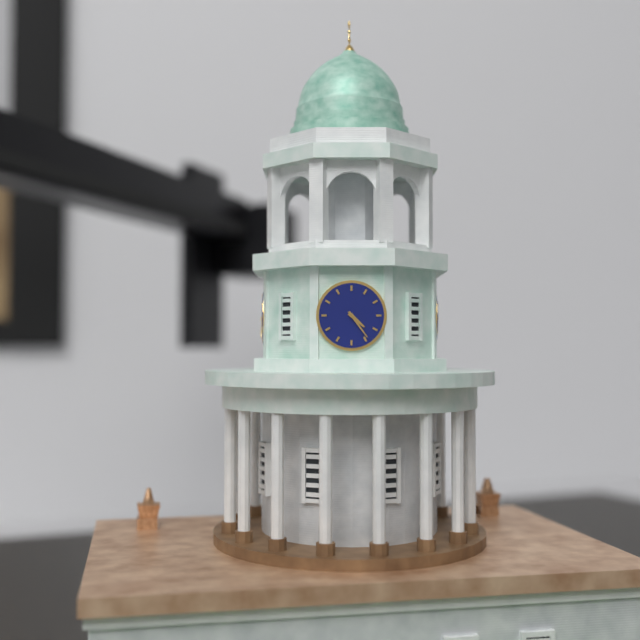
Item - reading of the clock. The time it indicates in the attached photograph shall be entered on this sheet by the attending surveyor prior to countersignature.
4:24
